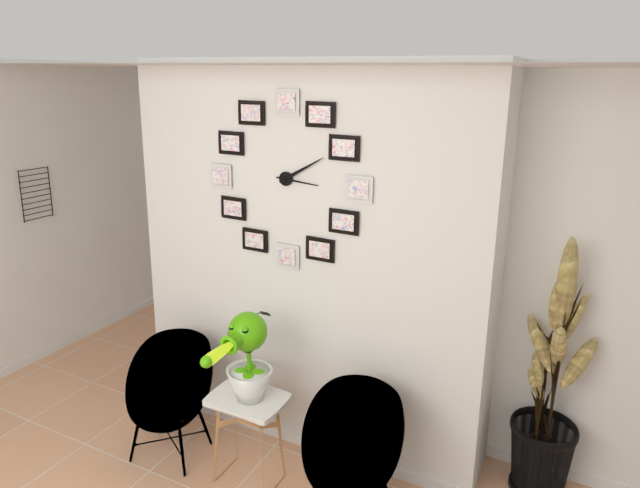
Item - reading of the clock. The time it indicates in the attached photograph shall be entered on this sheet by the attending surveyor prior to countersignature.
3:10
